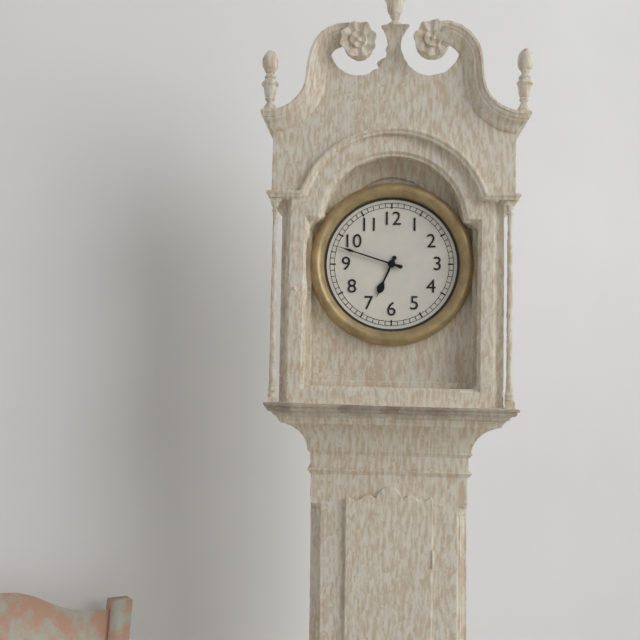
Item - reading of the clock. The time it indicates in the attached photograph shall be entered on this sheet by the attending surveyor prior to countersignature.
6:48
